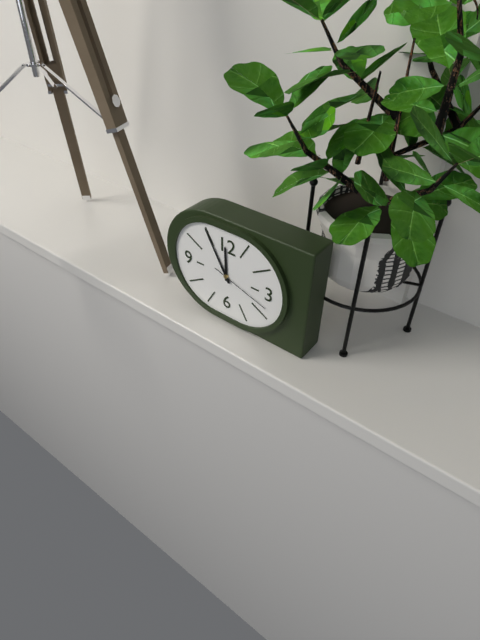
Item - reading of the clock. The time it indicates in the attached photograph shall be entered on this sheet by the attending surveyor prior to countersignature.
11:55:18
